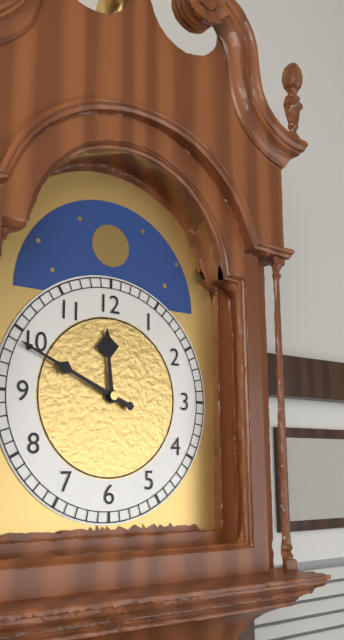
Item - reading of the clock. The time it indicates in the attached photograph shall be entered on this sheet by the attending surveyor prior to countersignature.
11:49
